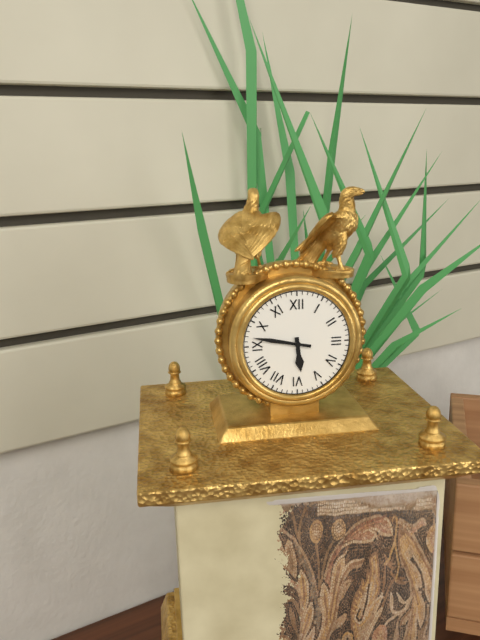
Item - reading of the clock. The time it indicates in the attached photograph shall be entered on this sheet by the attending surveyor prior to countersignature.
5:47
